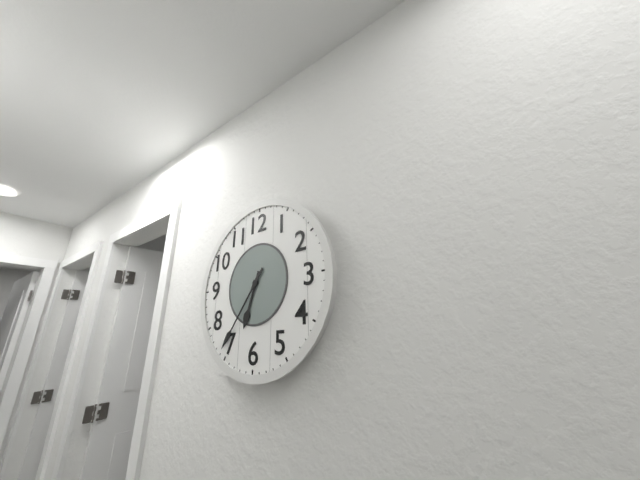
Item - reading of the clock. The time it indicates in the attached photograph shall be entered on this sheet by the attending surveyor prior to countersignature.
6:36
